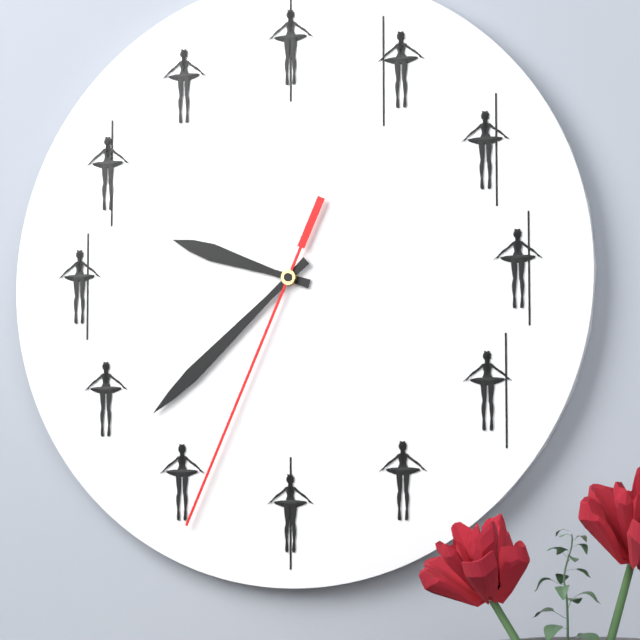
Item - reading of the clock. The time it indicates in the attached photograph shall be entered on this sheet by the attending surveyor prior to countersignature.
9:38:34
